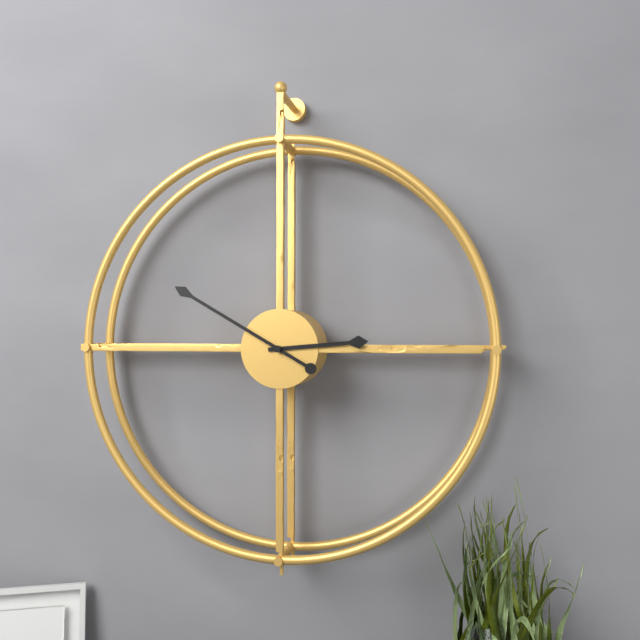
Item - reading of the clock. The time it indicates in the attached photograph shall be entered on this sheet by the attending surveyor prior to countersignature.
2:50
